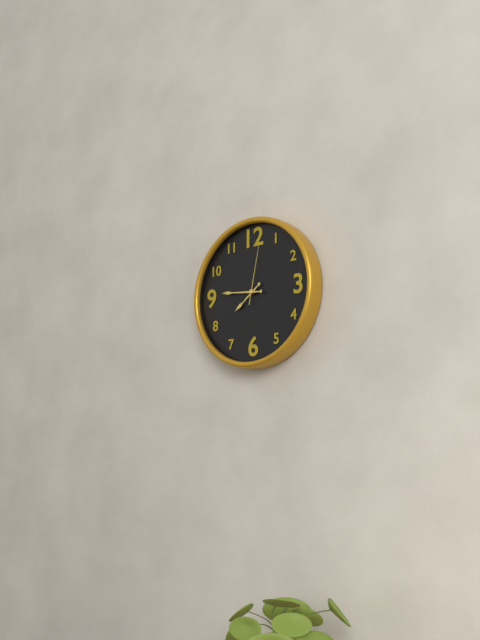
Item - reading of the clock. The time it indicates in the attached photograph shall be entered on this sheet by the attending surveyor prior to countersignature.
7:46:02
